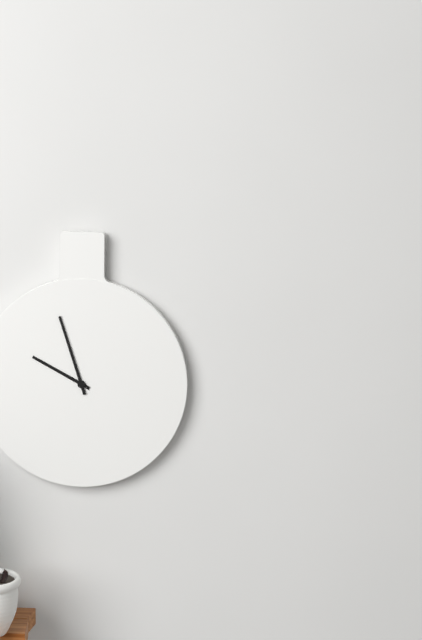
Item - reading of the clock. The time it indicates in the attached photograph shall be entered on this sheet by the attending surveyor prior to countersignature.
9:57
